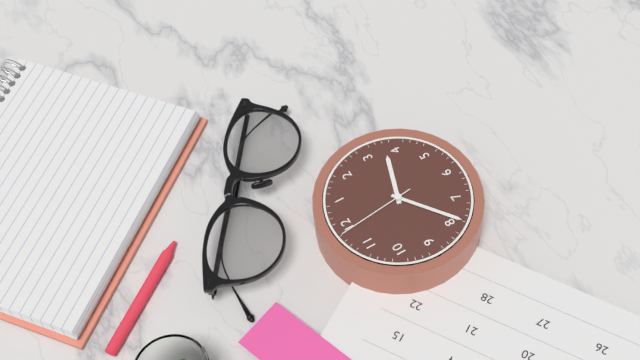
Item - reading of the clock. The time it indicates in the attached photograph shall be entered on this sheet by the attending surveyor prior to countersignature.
3:39:59
